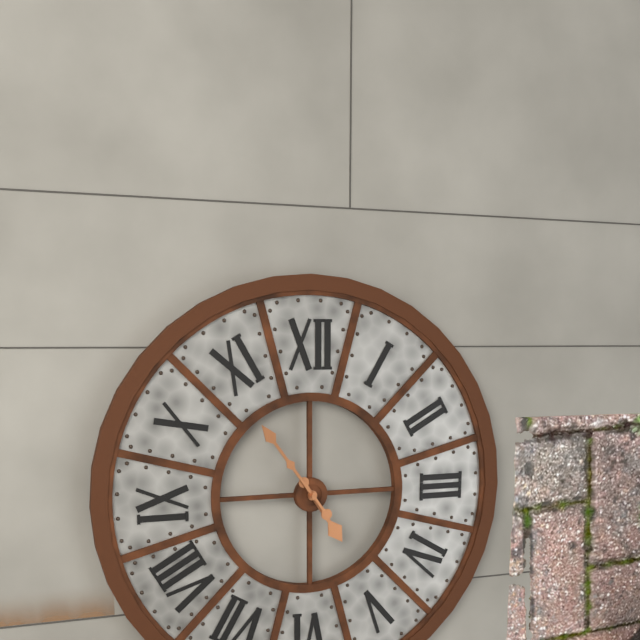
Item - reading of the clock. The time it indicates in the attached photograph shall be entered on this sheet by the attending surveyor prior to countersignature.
4:54
